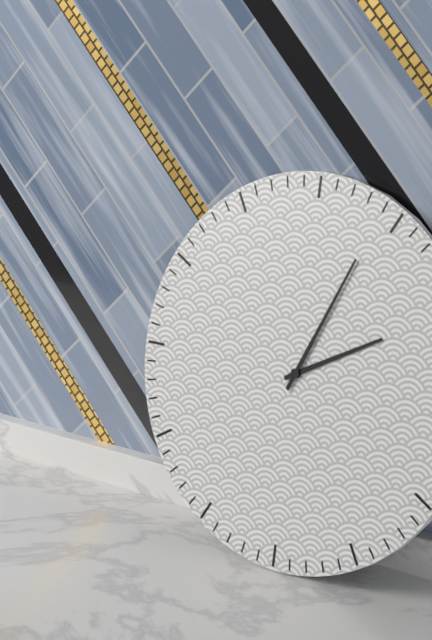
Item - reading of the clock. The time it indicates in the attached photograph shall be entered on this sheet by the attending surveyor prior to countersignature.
2:04
